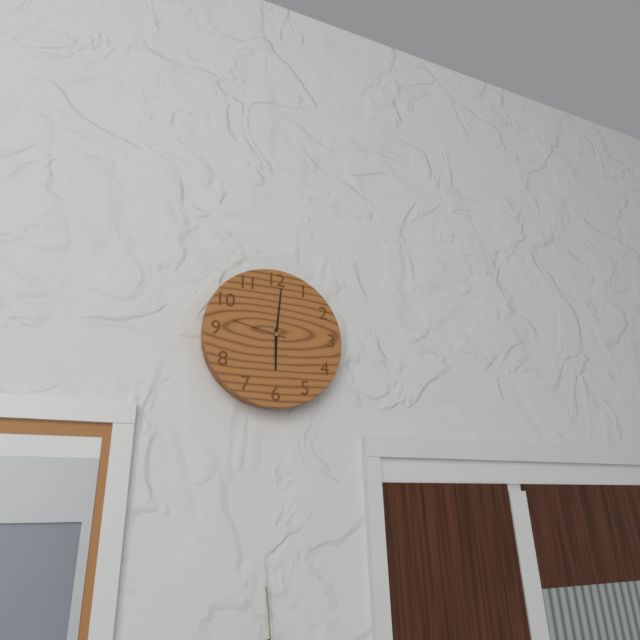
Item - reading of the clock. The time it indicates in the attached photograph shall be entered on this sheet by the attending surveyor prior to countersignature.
6:01:47
